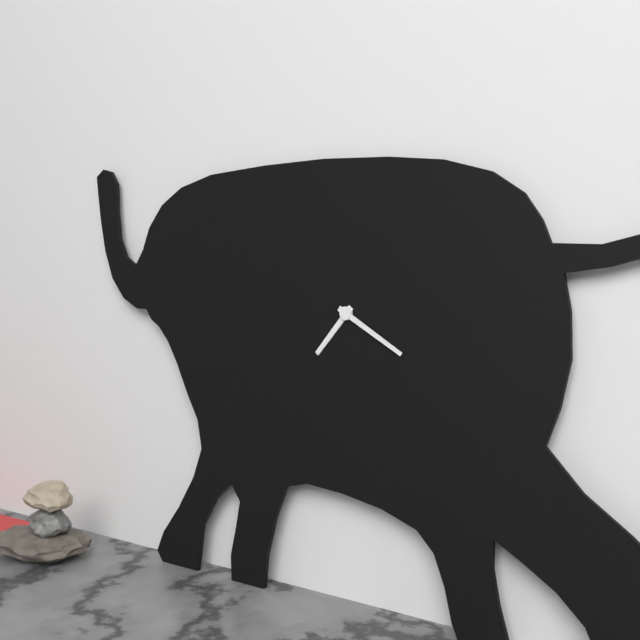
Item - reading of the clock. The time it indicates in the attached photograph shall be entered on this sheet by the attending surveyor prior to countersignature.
7:20
